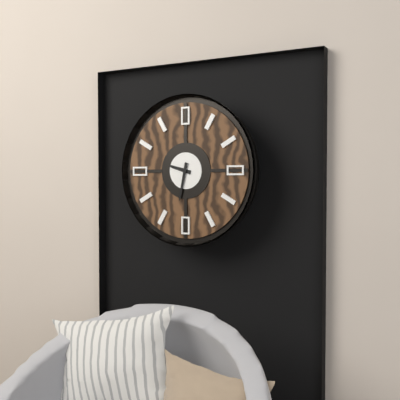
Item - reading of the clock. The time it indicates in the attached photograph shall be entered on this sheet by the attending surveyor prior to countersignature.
9:32
